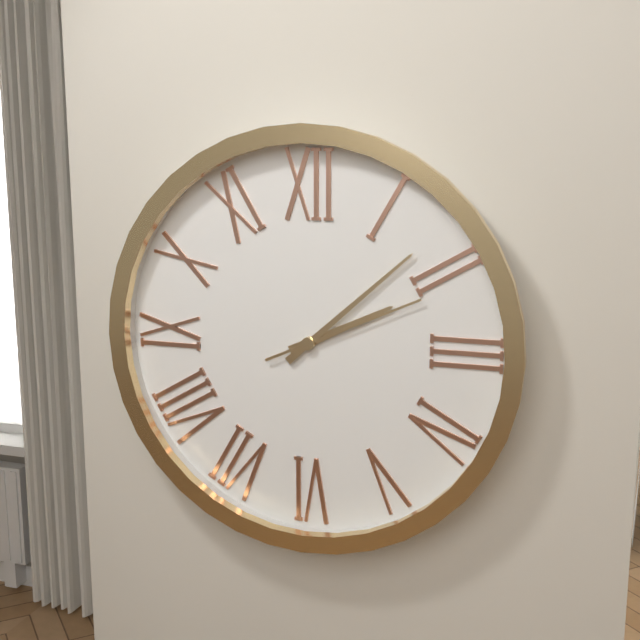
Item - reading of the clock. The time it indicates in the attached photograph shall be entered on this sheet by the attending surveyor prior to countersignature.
2:08:11
